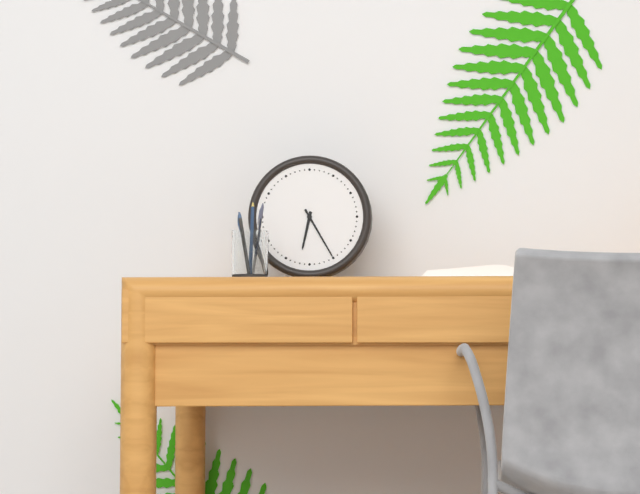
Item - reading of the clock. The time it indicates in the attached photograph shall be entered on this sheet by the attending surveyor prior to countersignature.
6:25
